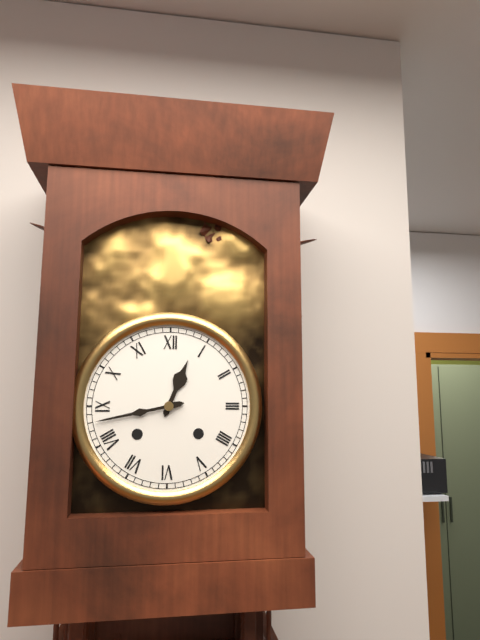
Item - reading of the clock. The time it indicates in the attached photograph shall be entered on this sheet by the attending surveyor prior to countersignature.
12:43
